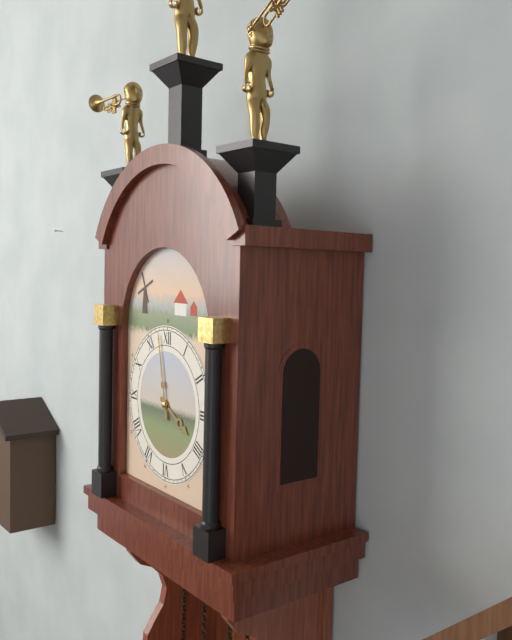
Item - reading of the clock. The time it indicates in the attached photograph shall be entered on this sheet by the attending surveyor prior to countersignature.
3:58
